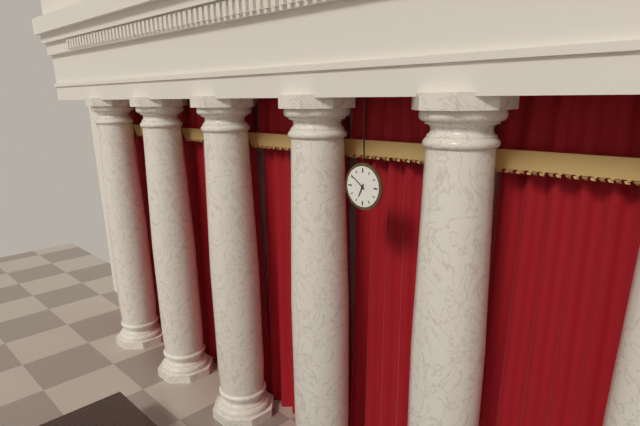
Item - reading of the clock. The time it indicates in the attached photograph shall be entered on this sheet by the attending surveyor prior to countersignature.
6:51
